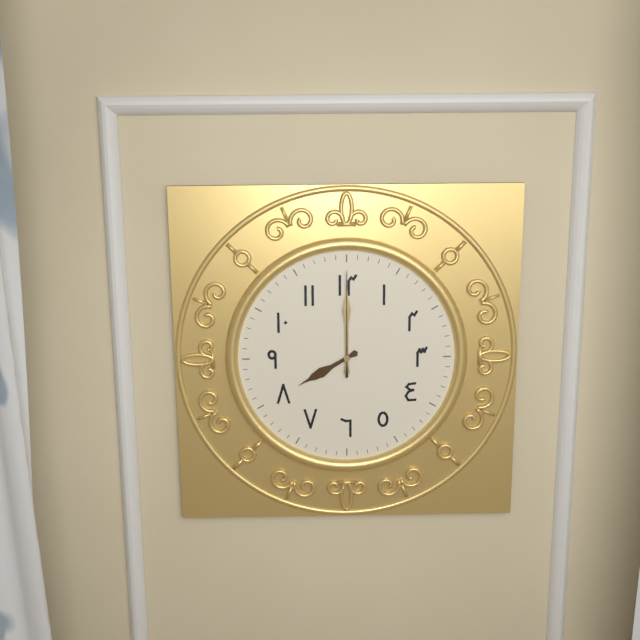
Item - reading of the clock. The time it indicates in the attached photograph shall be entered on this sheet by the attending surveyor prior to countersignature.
8:00:00
